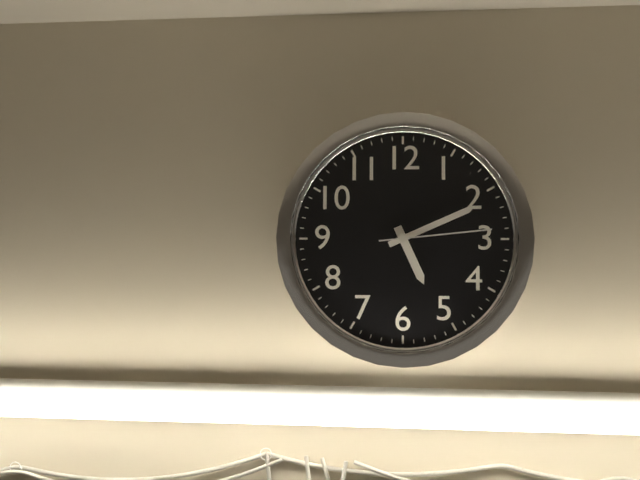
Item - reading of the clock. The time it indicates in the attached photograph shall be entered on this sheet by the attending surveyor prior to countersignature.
5:11:14
